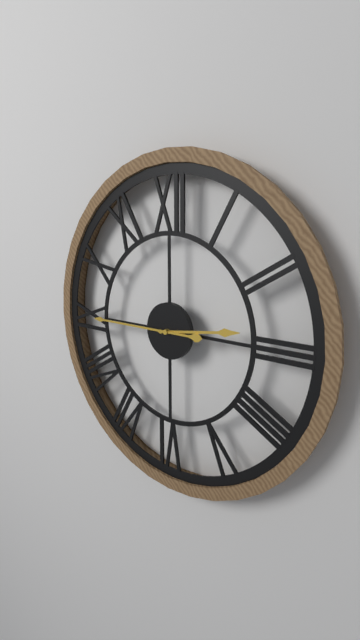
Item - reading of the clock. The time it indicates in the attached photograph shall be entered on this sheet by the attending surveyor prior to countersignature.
2:45
